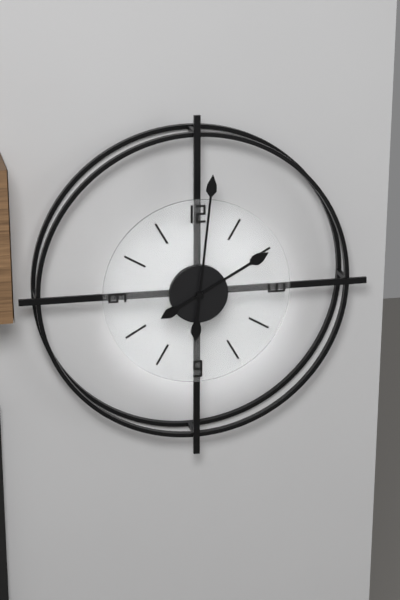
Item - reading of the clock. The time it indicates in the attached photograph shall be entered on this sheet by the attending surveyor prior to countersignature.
2:01
